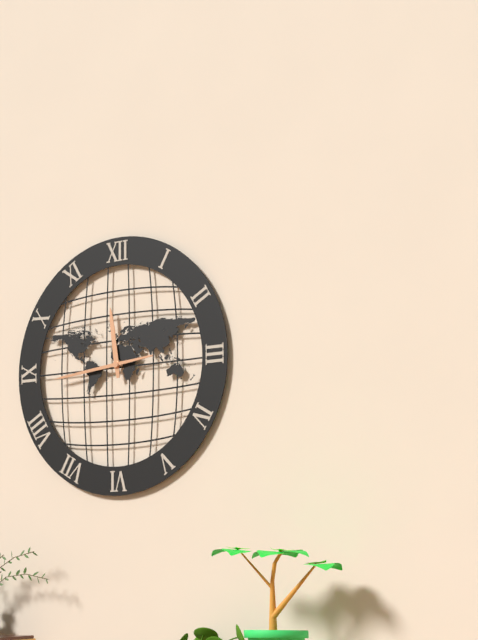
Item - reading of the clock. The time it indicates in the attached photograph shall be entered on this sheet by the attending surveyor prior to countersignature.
11:44
